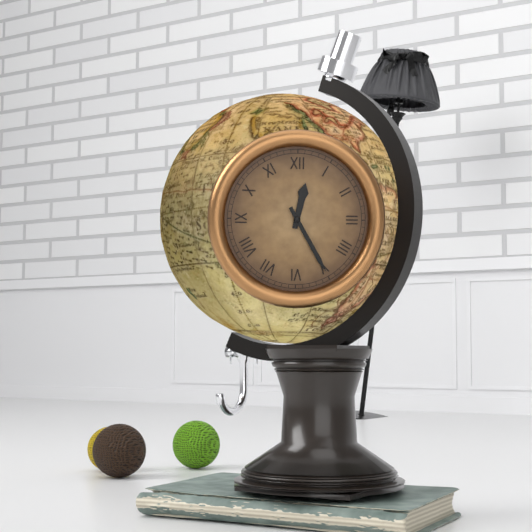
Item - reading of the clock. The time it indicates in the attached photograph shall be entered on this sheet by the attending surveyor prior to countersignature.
12:25
